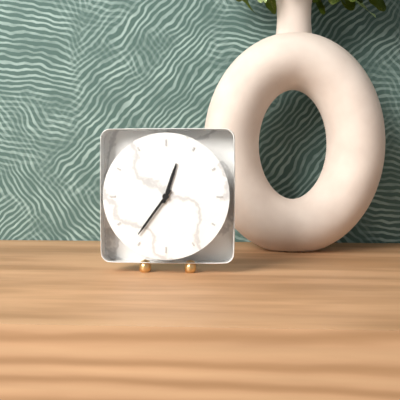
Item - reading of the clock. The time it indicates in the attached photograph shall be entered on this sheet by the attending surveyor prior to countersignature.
12:36
